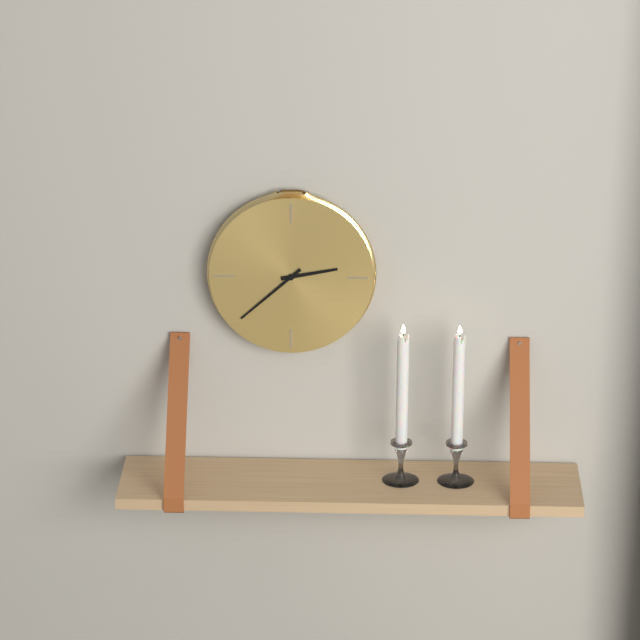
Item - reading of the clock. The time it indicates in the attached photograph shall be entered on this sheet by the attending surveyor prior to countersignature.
2:38
